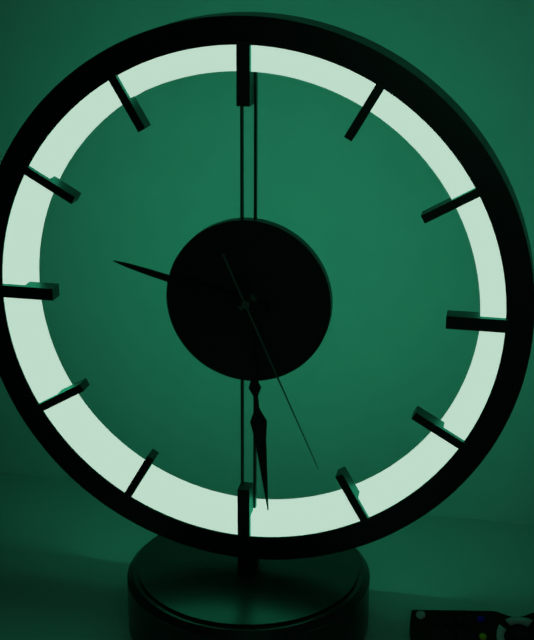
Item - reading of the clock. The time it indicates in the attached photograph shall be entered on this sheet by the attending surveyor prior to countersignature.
9:29:26
